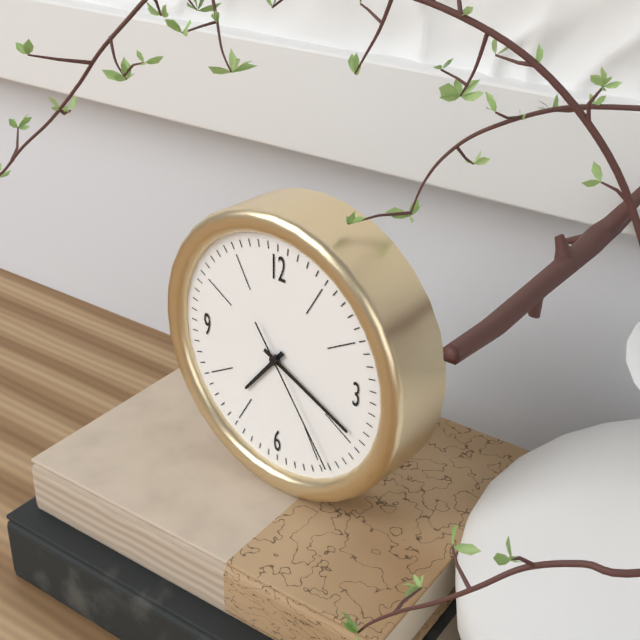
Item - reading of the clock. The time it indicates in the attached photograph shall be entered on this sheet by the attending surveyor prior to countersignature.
7:19:24
